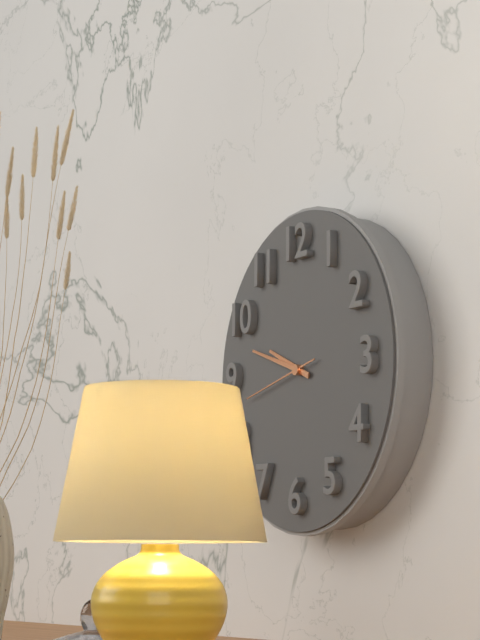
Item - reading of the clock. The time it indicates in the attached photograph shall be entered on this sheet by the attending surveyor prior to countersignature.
9:48:43
